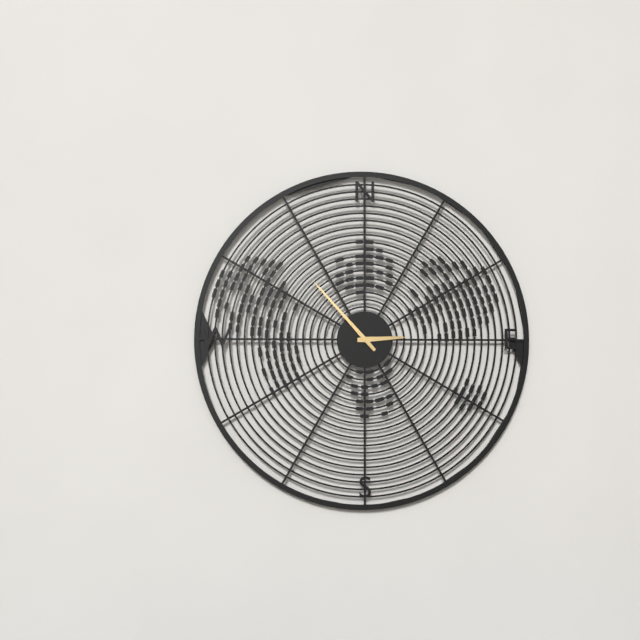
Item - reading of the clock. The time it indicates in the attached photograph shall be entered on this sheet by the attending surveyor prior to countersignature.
2:53
